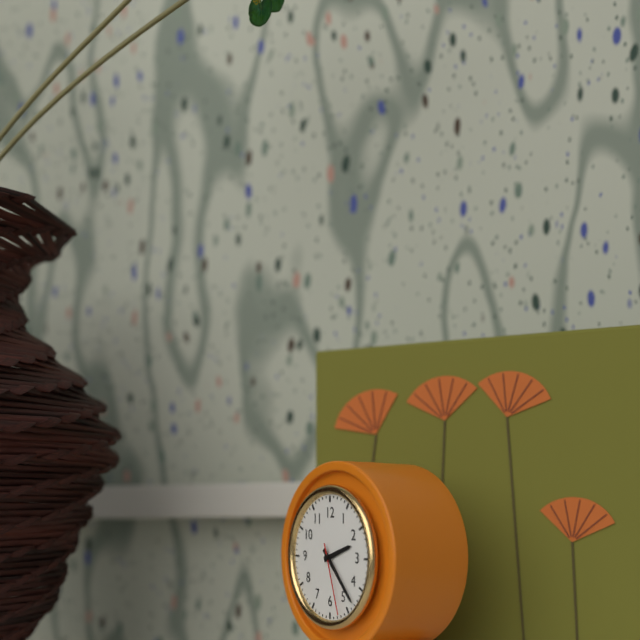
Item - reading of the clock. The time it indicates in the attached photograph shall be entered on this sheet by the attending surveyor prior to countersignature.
2:23:27
